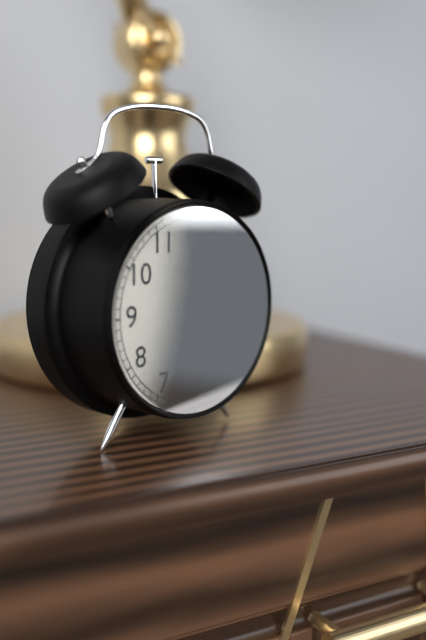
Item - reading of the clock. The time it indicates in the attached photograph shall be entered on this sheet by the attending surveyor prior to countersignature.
4:28
